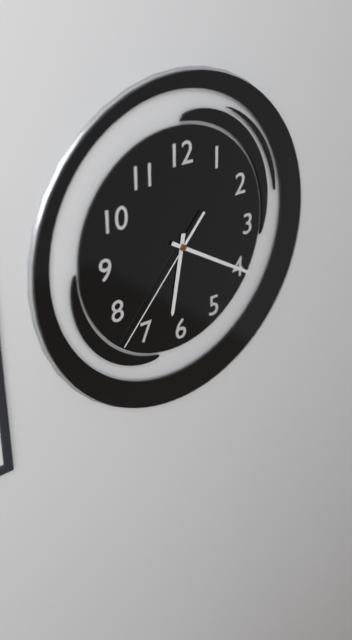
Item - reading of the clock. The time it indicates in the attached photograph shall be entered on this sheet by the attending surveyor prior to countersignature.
6:20:37
